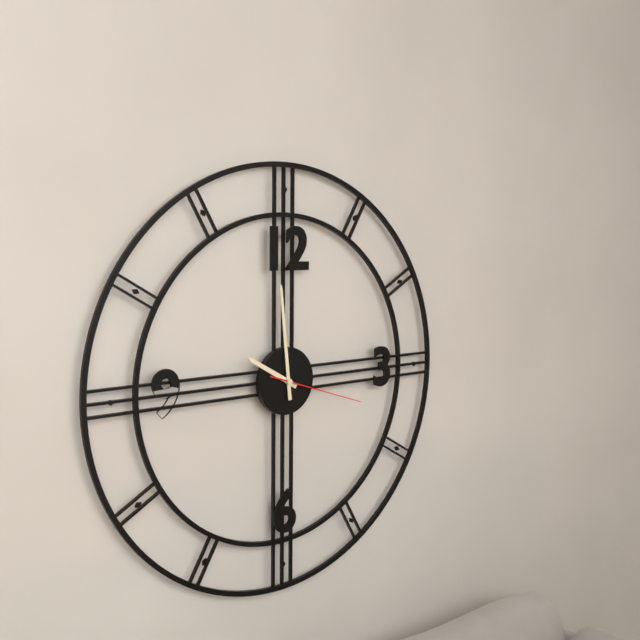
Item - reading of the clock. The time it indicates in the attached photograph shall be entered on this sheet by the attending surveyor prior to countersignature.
9:59:18
